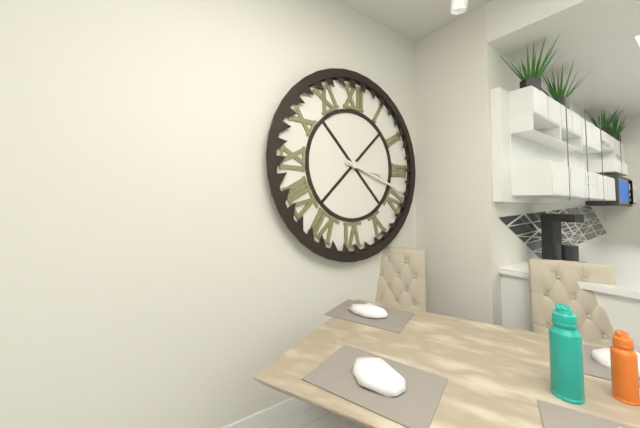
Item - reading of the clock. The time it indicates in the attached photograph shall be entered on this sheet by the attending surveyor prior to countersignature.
3:18
